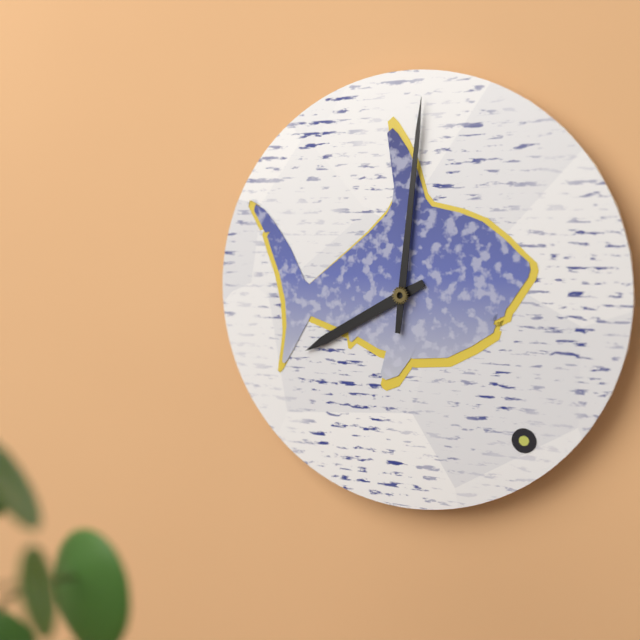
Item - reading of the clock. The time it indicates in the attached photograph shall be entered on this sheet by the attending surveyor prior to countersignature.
8:01
